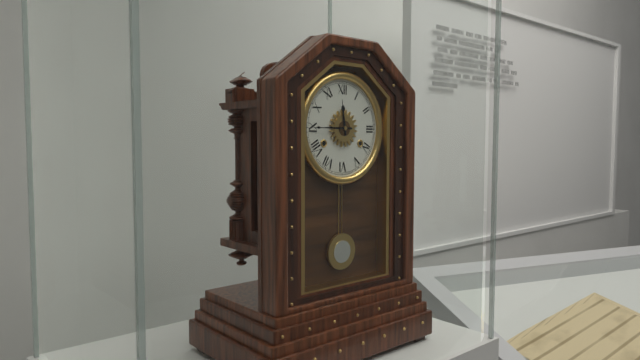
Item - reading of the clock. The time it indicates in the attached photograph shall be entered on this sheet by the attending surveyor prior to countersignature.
11:45
